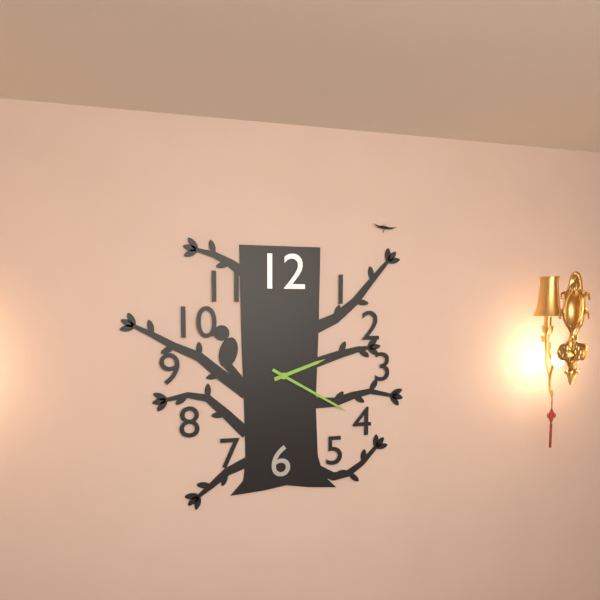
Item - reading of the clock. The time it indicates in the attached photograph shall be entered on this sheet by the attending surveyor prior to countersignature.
2:20
